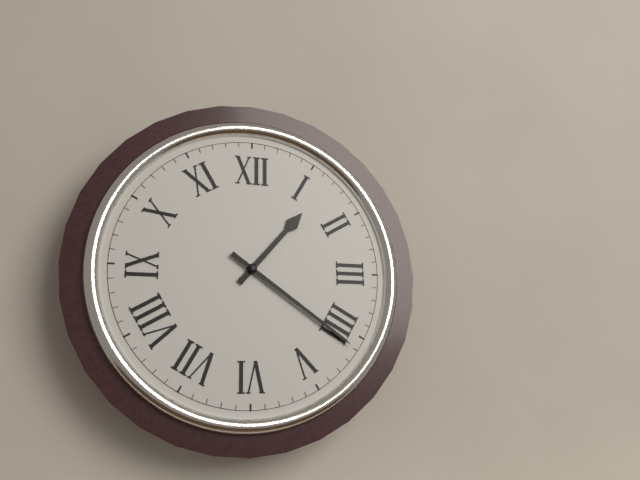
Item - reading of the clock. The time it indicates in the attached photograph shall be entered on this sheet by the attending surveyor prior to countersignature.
1:21
